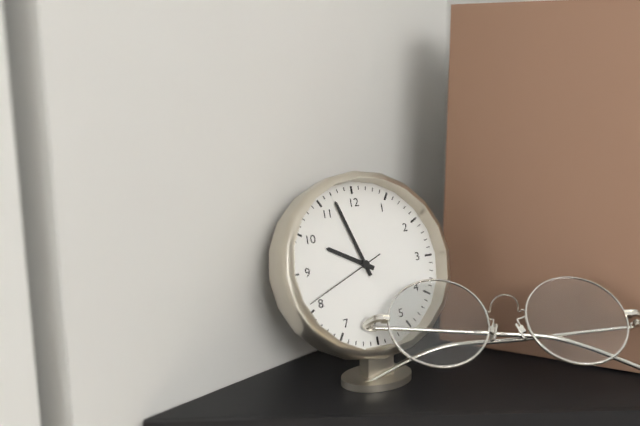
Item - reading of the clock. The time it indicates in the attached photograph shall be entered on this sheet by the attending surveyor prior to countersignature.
9:57:41
